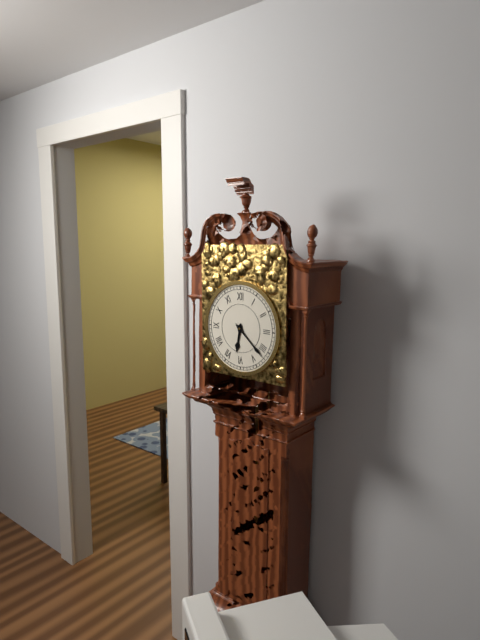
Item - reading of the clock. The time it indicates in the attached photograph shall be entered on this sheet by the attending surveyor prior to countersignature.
6:22
